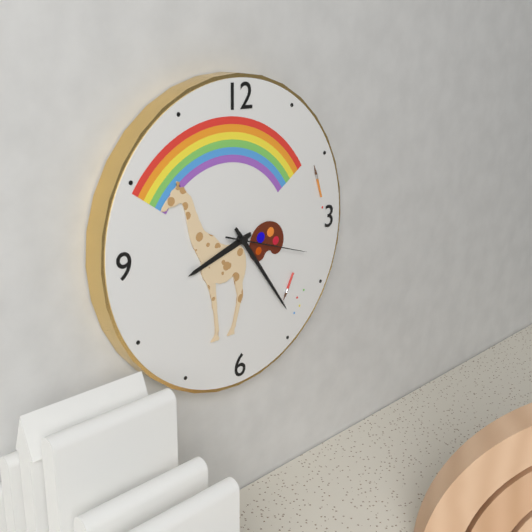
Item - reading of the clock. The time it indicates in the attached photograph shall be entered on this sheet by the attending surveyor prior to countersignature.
8:24:18
